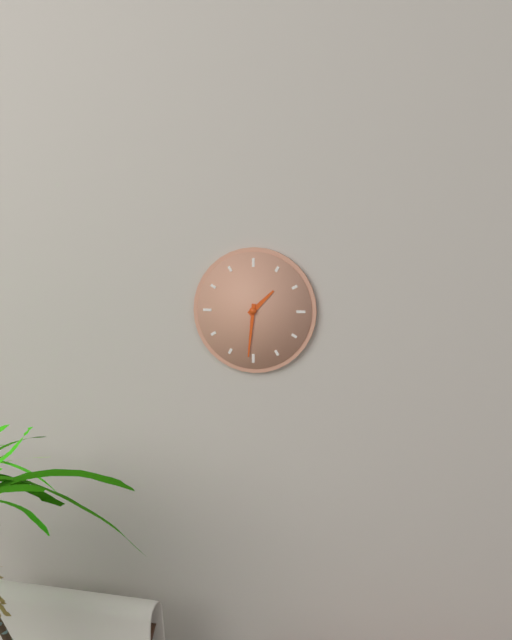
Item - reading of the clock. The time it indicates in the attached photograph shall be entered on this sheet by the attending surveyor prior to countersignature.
1:31
